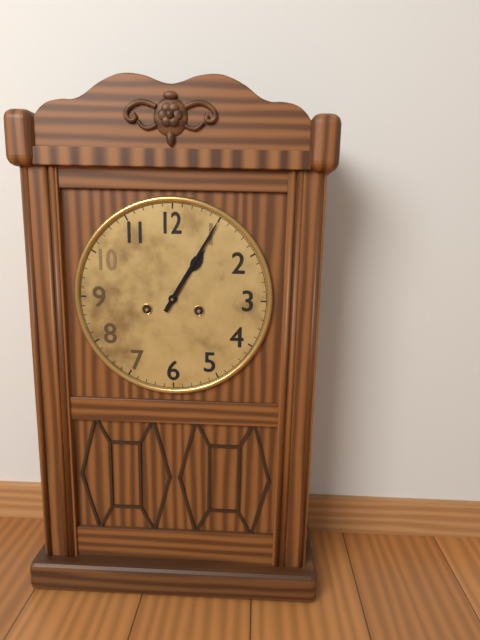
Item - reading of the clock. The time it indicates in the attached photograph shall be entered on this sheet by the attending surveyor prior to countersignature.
1:05
